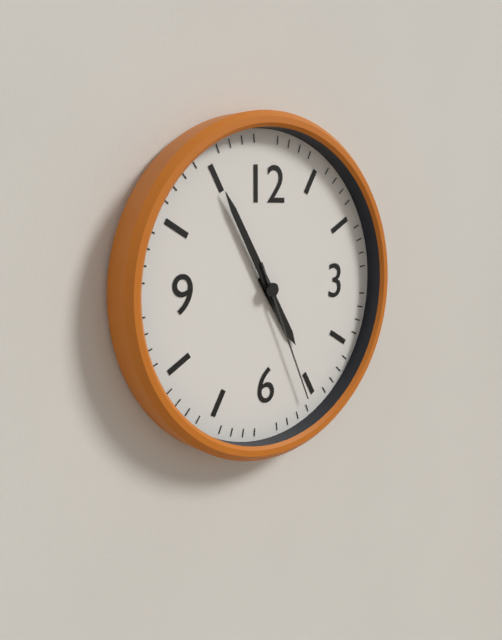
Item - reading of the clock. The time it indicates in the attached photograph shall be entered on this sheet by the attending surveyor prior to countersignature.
4:55:26
